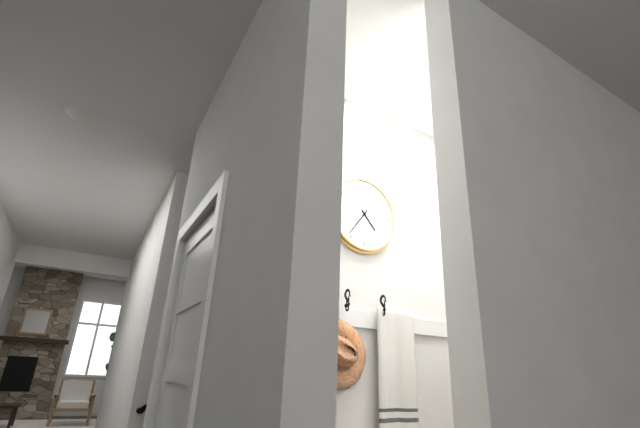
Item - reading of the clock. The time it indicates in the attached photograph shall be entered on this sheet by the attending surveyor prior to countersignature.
4:36
